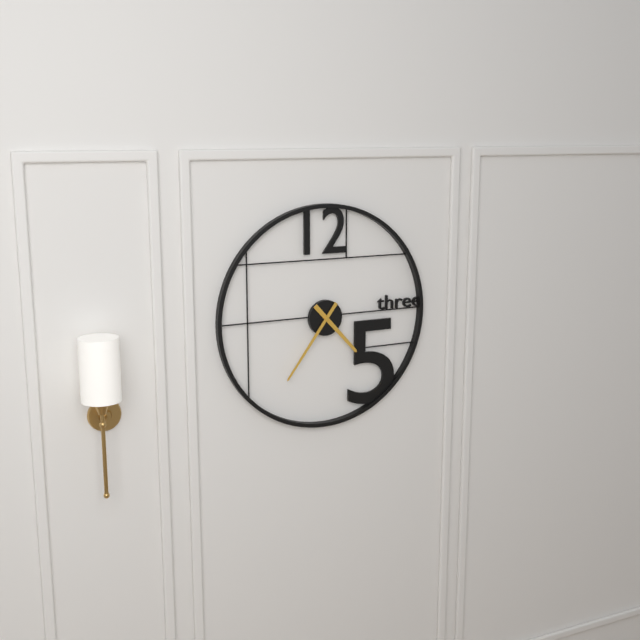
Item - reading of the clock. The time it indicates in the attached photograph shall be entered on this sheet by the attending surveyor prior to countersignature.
4:36
